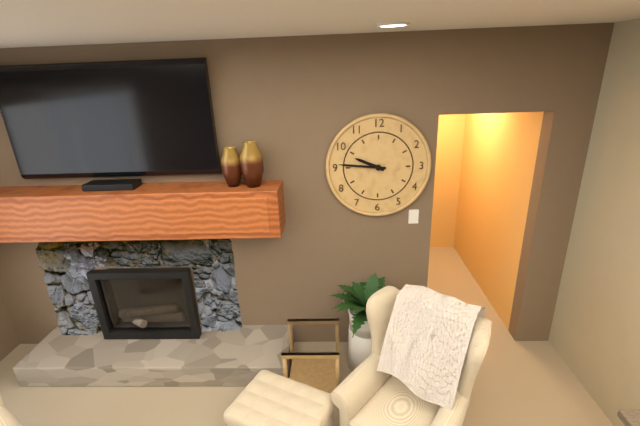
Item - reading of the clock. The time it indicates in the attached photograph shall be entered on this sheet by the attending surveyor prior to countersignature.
9:46
